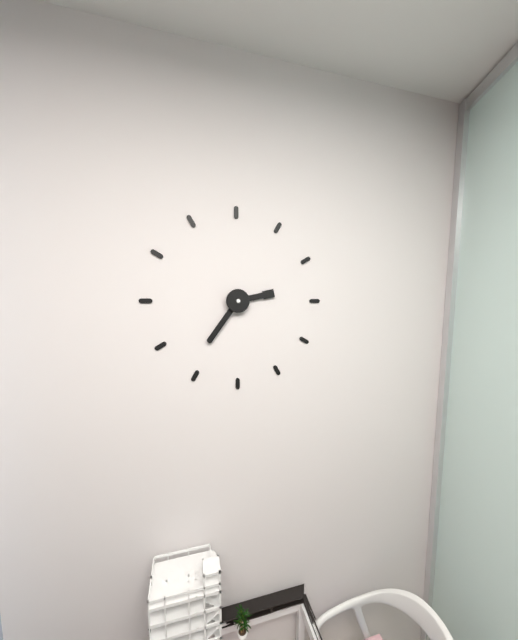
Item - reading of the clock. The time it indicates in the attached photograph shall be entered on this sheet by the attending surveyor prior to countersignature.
2:36
